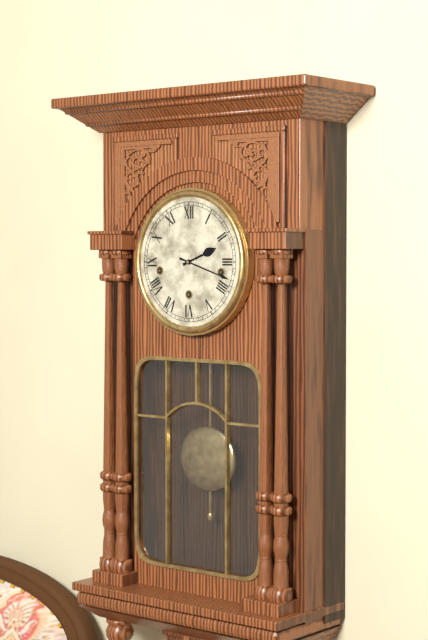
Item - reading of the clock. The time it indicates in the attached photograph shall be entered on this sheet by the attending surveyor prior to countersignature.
2:18
